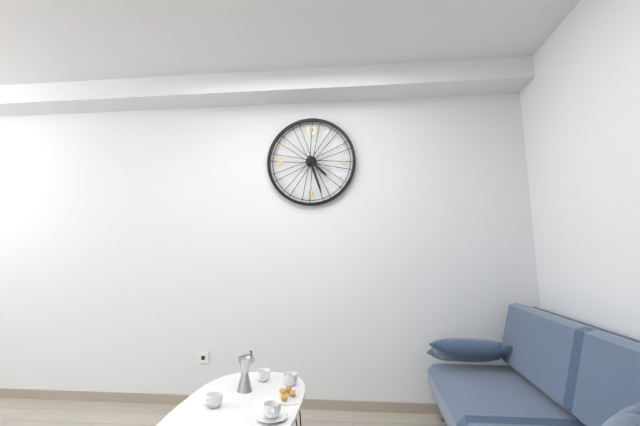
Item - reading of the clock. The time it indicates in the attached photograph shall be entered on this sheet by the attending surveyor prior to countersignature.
4:27
